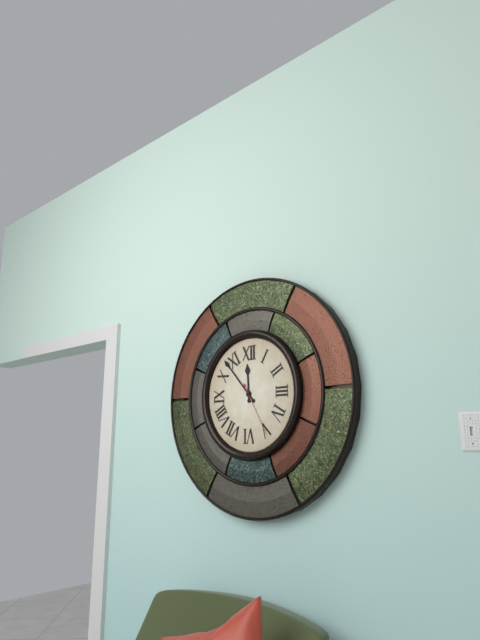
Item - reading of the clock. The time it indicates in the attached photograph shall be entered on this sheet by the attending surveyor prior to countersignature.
11:53:25
